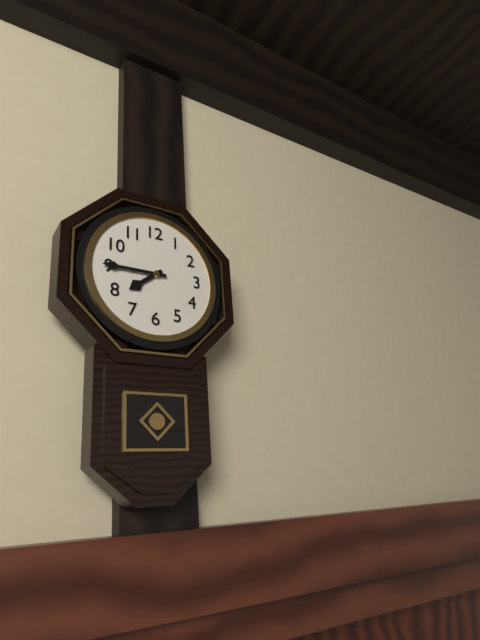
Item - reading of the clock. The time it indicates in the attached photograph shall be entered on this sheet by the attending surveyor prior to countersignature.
7:45
